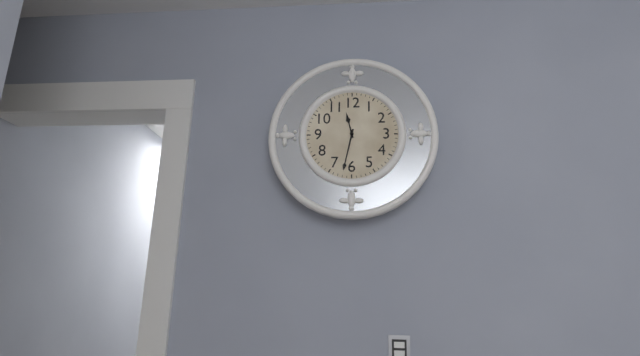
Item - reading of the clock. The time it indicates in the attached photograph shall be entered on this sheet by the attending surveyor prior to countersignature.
11:32
